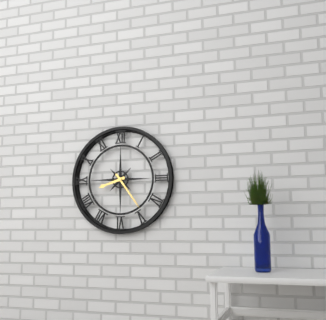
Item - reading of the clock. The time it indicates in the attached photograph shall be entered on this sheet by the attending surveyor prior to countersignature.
8:24
